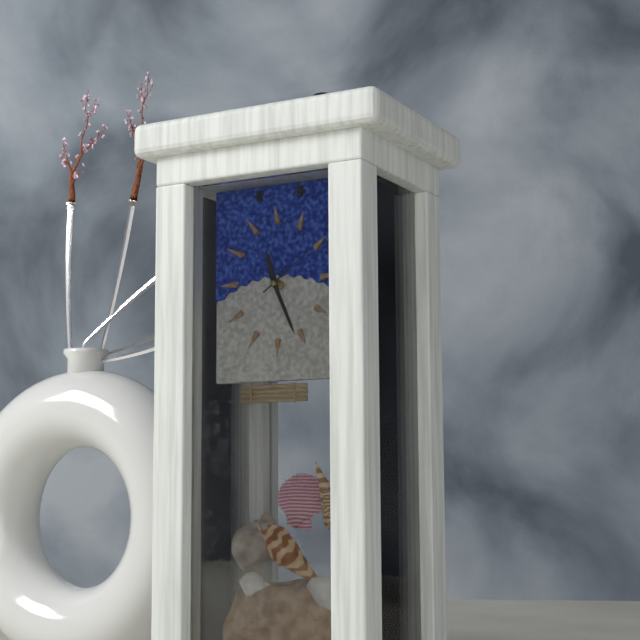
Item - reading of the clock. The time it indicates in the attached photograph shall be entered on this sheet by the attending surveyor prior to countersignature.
11:26:09
